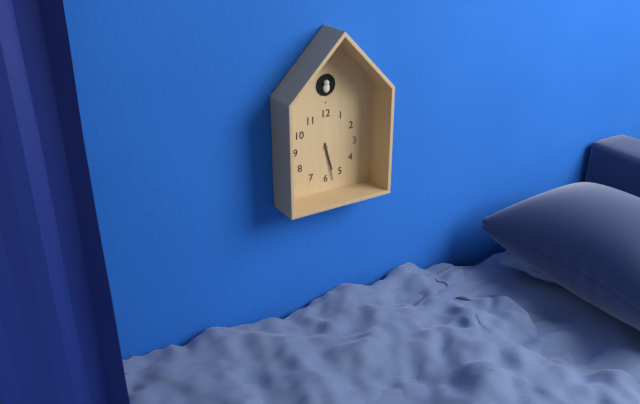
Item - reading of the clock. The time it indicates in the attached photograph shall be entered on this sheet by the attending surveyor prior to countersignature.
5:28
